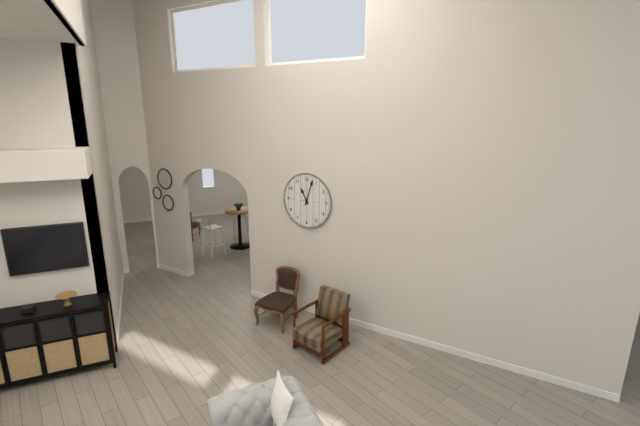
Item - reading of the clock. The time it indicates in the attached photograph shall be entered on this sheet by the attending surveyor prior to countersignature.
11:03
